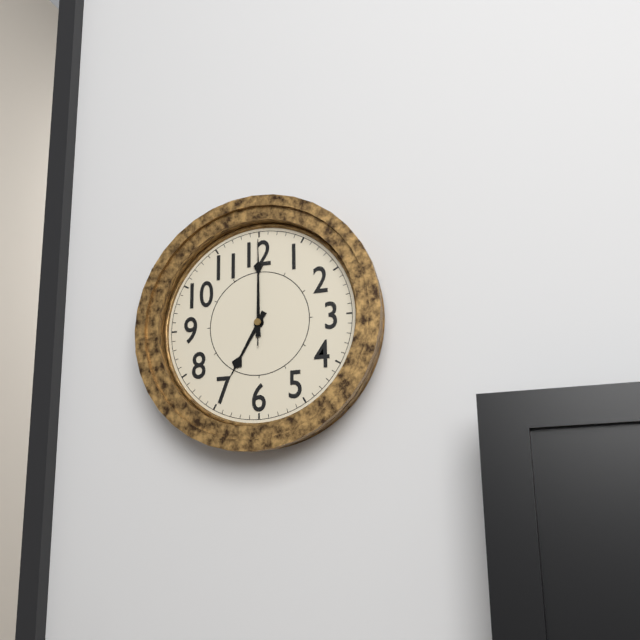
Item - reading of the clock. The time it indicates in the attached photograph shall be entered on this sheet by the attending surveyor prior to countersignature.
7:00:00
